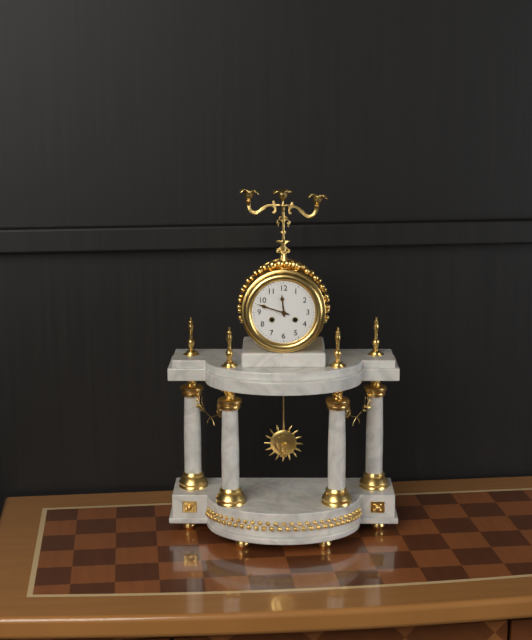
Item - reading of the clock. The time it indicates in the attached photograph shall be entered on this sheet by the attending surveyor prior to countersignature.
11:48
